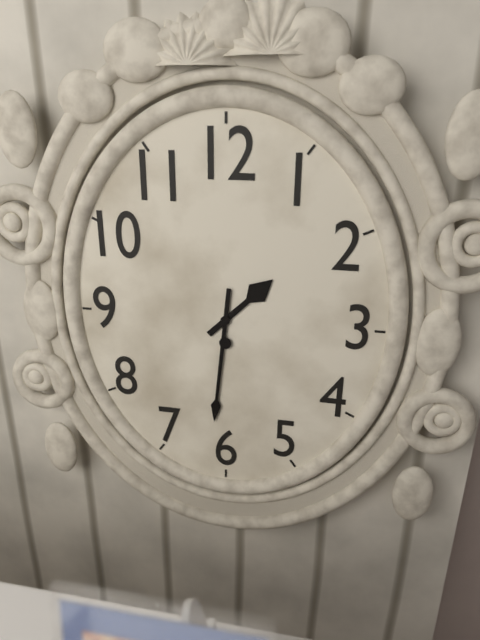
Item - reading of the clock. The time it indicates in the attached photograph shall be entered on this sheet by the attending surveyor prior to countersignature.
1:31
